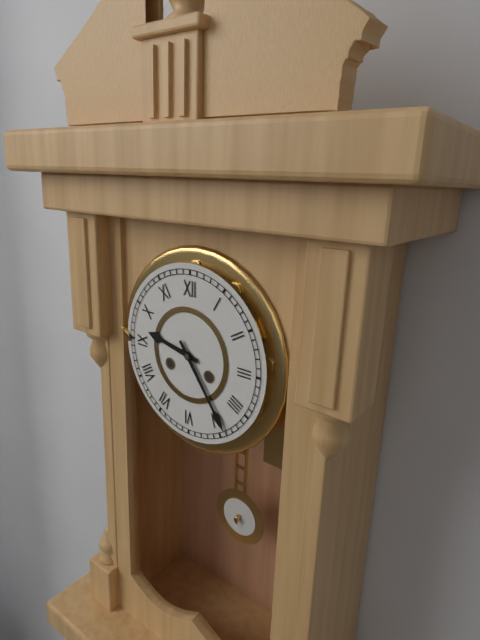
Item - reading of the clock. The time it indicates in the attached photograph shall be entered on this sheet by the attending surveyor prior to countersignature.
9:24
